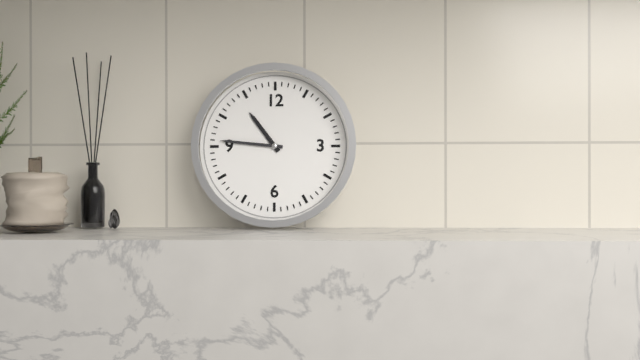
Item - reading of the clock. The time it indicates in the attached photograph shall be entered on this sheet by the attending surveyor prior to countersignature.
10:46
